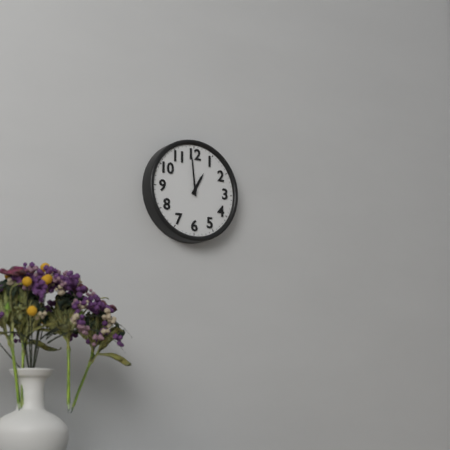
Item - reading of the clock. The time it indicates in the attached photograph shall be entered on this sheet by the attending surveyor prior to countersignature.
12:59
